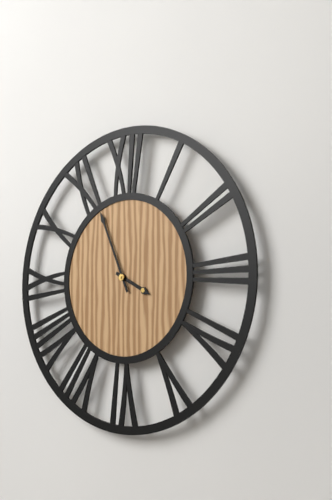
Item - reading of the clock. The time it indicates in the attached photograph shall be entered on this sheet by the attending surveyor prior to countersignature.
3:56
